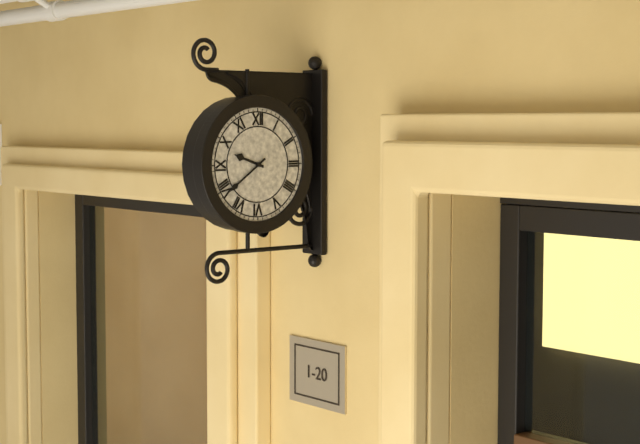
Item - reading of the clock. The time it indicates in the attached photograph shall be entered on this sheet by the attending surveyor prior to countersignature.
9:39
